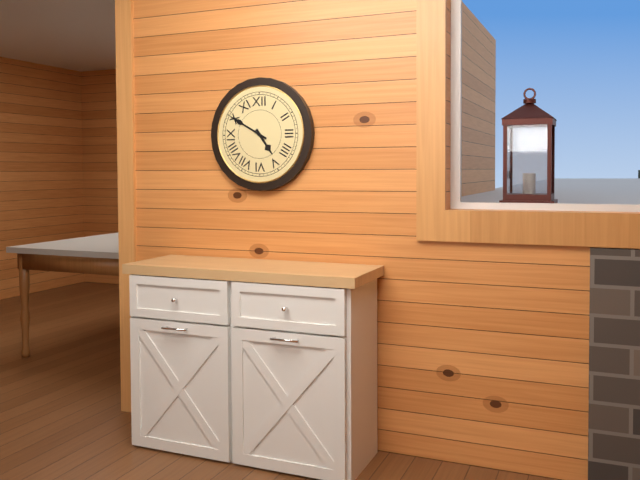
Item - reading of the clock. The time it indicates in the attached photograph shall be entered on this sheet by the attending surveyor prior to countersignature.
4:50
